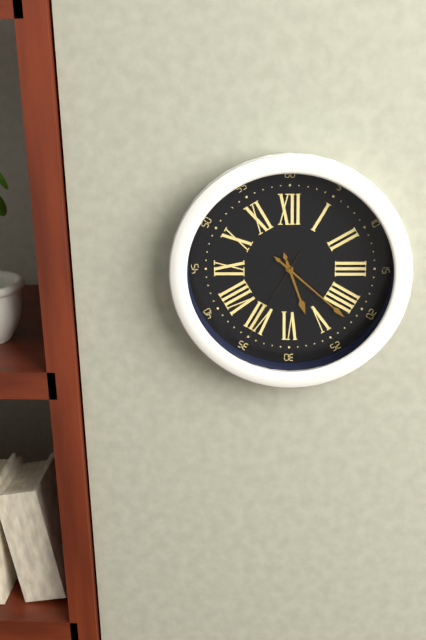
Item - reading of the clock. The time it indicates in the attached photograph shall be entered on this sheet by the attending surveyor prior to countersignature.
5:22:35
